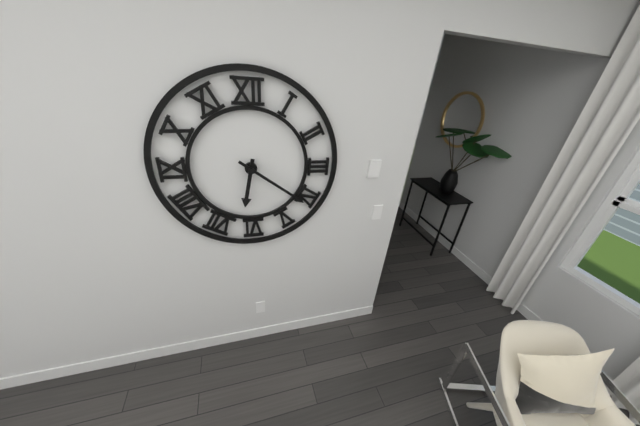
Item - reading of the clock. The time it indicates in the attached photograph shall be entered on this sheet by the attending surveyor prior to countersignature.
6:21
